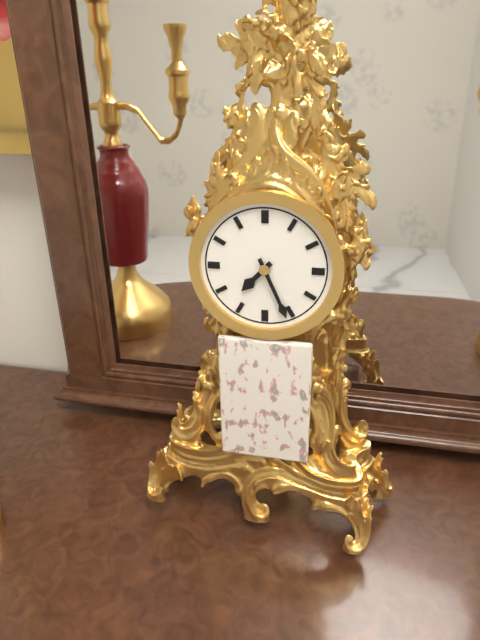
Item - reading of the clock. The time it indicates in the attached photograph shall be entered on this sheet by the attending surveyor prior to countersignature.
7:26
